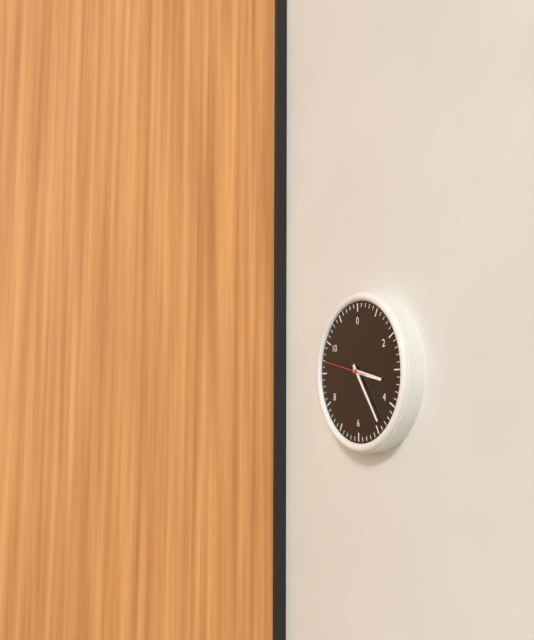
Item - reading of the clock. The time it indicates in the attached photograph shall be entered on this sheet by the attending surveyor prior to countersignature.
3:24
